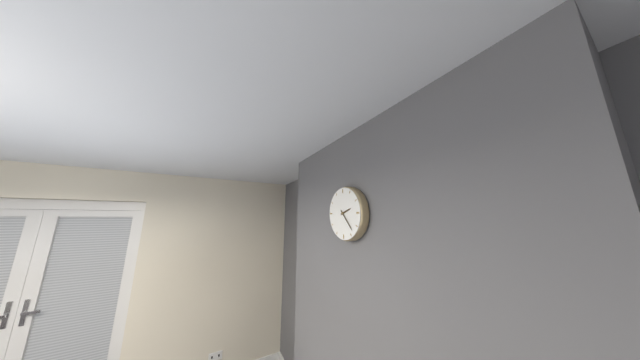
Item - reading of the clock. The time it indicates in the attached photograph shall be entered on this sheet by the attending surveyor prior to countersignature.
2:23
